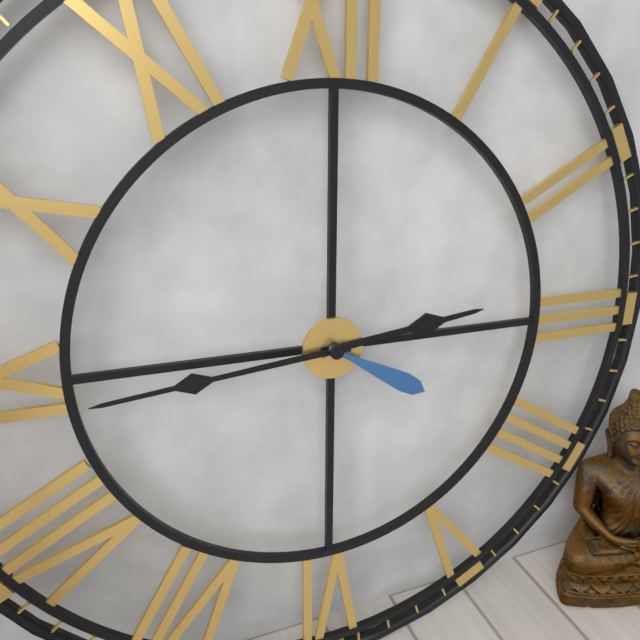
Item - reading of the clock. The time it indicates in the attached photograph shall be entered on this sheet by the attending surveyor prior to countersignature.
2:44:20
